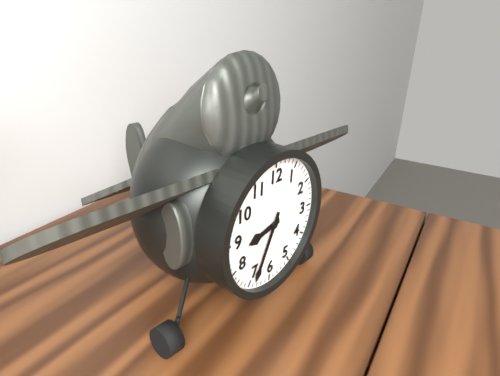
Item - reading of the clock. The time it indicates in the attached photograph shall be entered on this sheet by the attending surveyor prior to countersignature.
8:34
